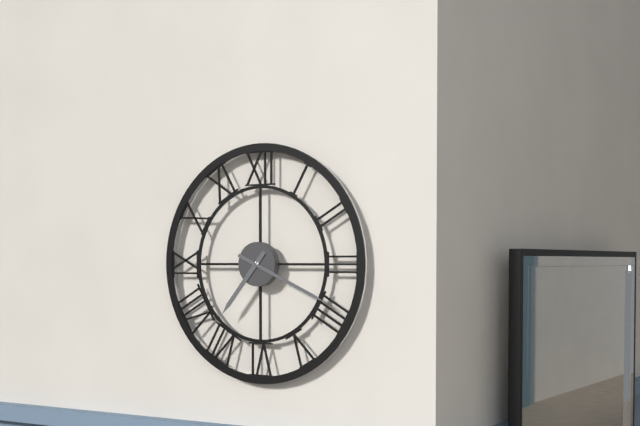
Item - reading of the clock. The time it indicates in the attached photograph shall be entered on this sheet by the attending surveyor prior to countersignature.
7:19
